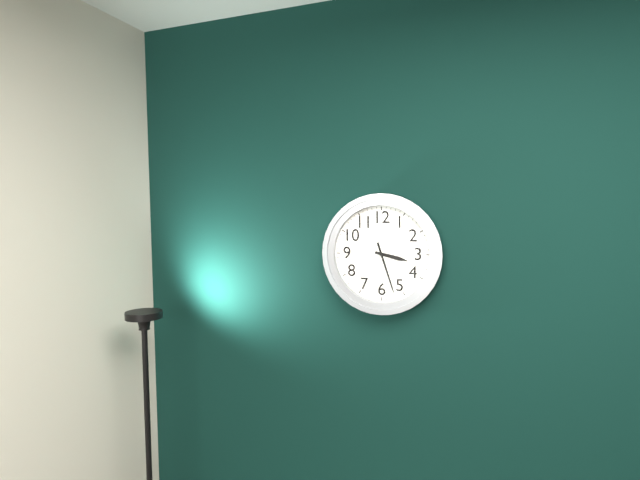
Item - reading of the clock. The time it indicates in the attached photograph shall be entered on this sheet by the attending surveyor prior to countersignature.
3:27
